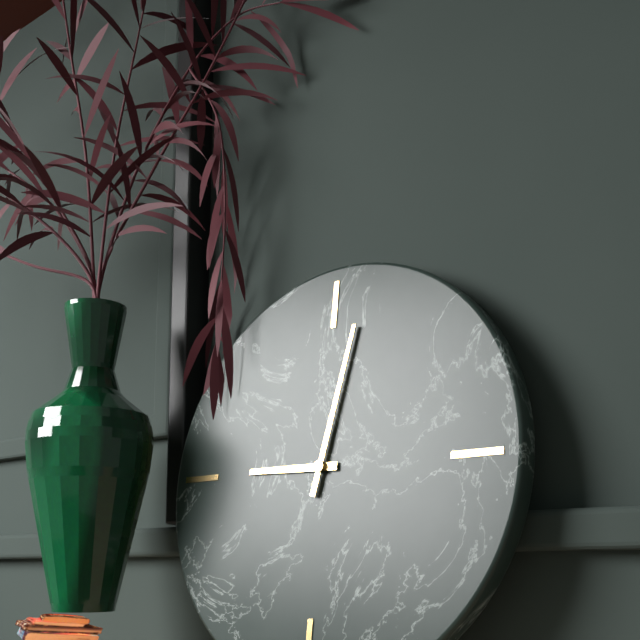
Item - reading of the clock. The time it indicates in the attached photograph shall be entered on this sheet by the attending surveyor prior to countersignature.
9:02
